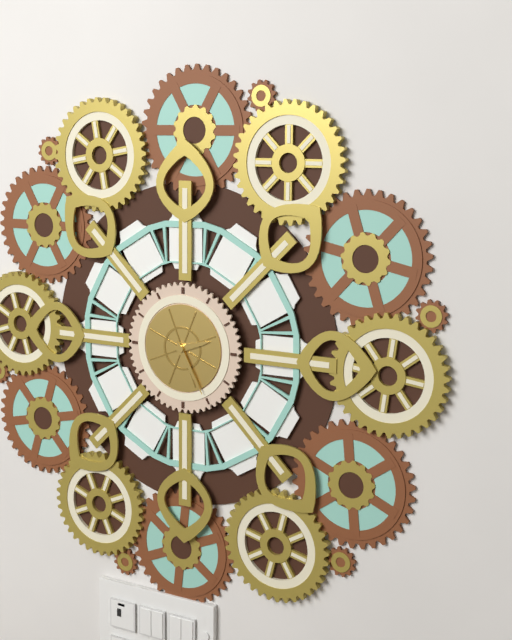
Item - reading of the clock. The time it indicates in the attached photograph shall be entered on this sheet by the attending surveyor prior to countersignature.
2:25
